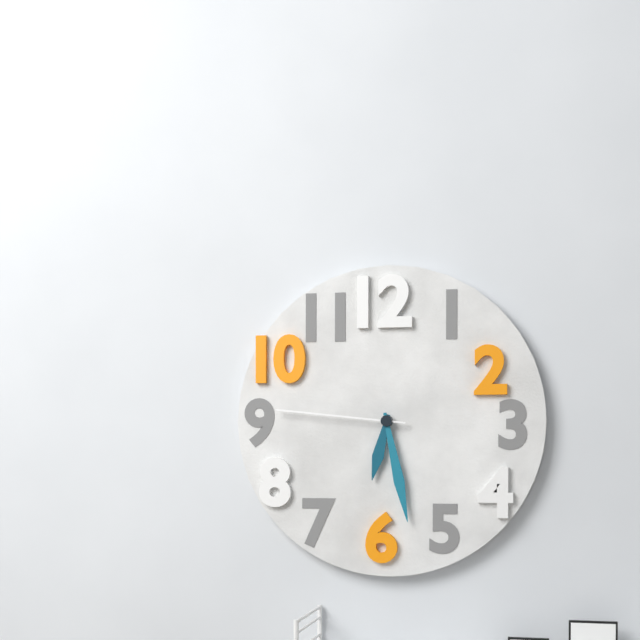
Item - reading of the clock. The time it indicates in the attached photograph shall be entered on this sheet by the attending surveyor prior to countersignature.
6:28:46
